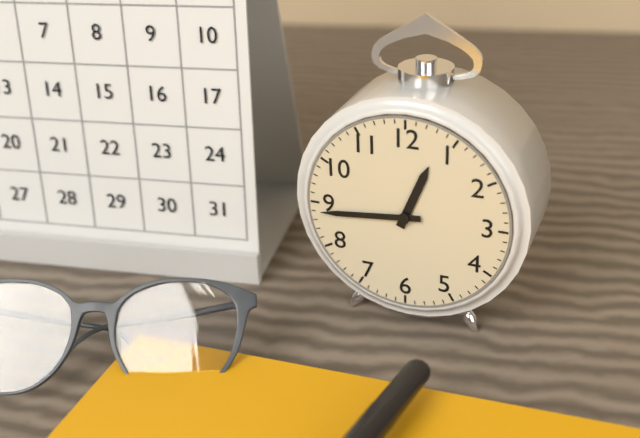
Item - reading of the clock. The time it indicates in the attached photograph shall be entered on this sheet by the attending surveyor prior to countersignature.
12:44
